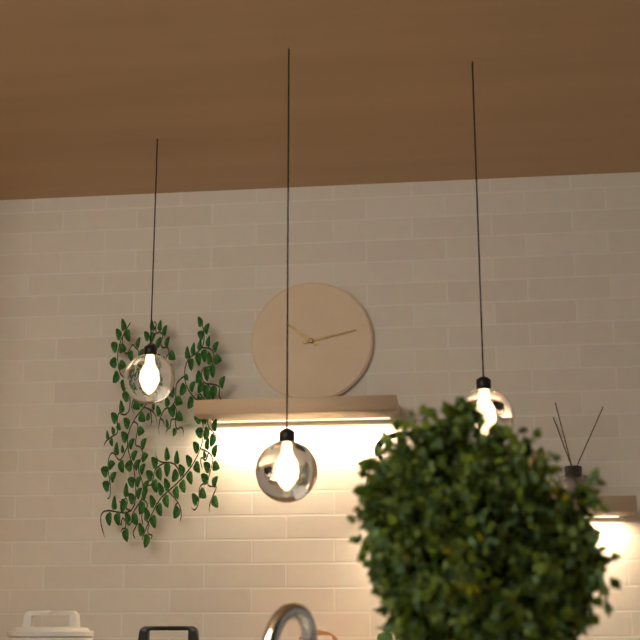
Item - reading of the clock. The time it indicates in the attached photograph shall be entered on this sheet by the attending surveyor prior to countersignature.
10:13
